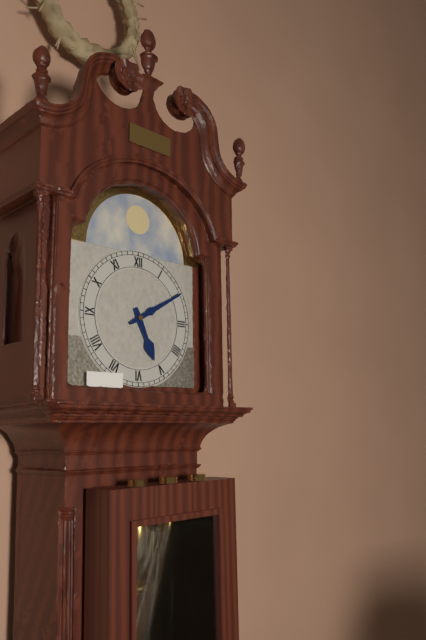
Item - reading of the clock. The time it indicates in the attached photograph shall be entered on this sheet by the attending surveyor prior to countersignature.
5:10
